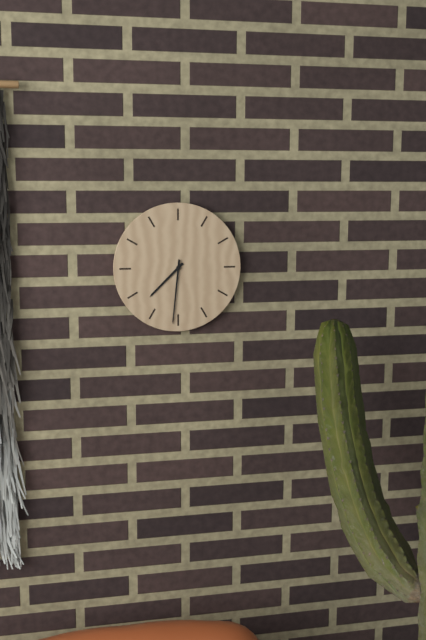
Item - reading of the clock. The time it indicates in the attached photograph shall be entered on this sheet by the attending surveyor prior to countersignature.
7:31
